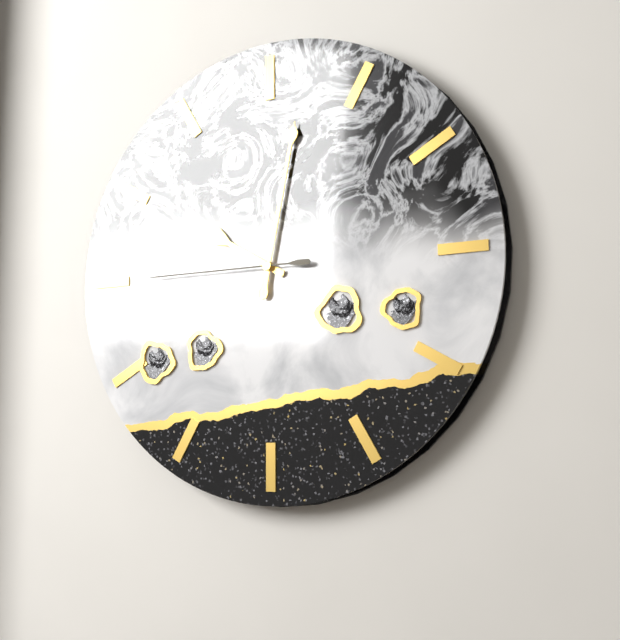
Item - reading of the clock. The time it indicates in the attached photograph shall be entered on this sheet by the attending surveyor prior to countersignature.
10:02:45
